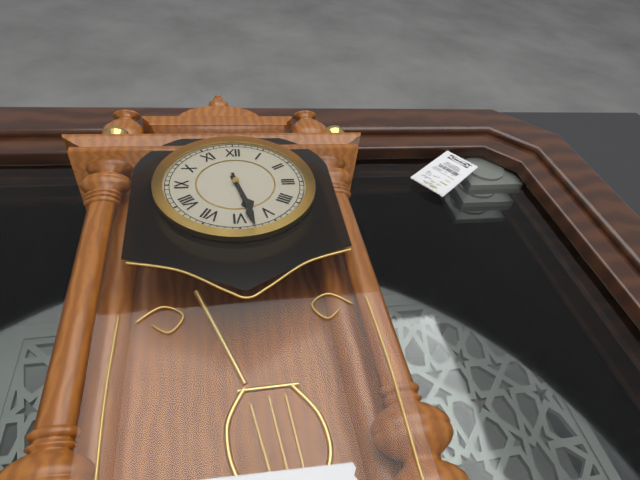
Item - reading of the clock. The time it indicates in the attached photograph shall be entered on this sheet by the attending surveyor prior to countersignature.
5:28
